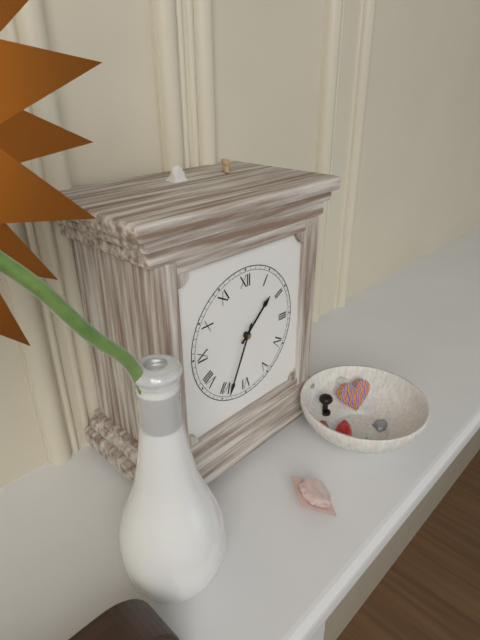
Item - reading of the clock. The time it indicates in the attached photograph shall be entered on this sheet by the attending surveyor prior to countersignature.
1:34
